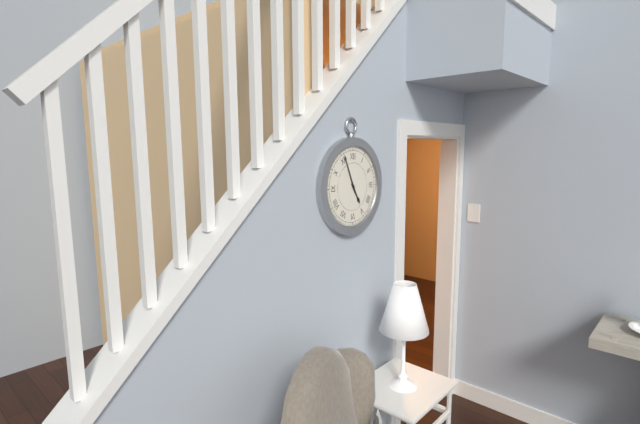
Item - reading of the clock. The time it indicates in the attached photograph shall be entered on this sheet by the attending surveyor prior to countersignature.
4:56
